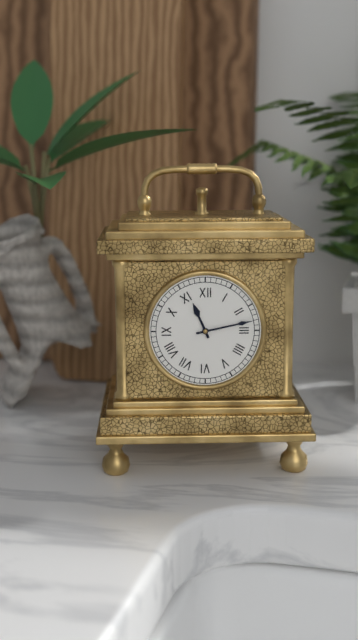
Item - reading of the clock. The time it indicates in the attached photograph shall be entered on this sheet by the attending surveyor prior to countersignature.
11:13
